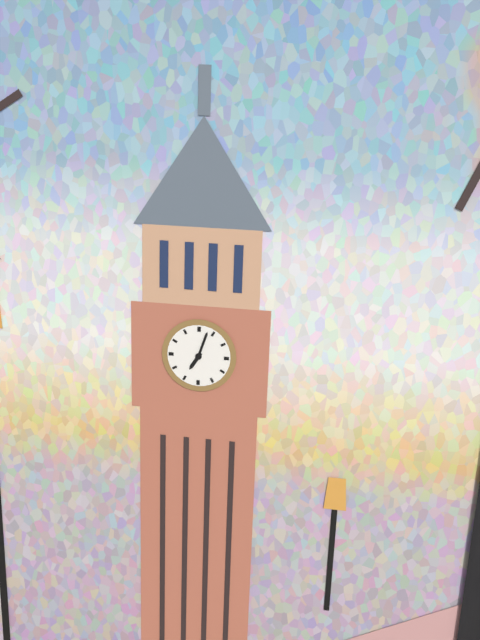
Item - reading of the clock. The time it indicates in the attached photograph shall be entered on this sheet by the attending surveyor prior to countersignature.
7:03
